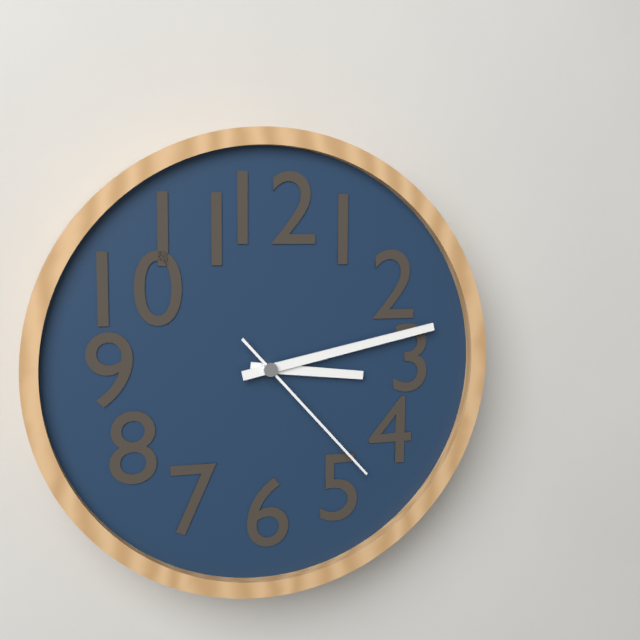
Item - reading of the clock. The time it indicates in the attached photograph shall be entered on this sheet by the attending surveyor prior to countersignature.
3:13:23
